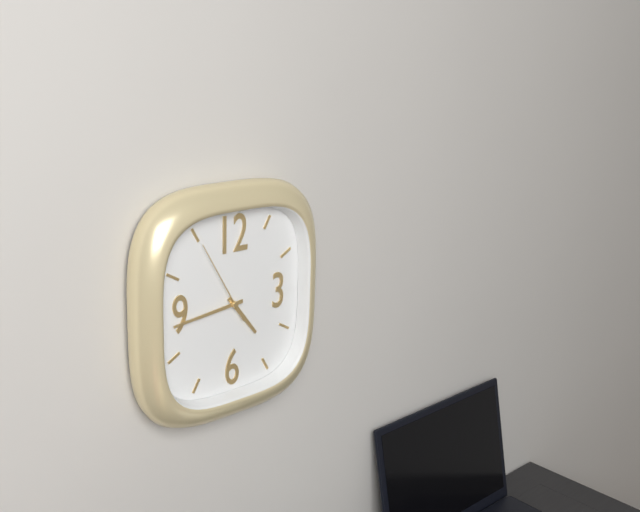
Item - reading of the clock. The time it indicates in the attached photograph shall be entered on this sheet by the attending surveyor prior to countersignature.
4:44:55
